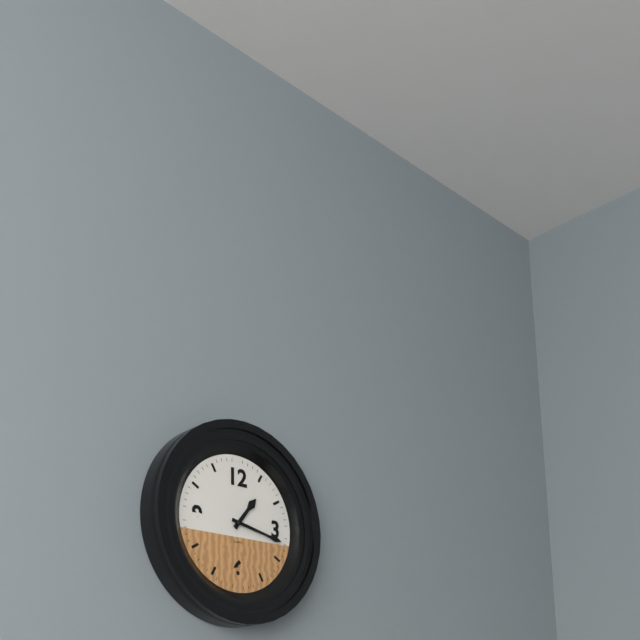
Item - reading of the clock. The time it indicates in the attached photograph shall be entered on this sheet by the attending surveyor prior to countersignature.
1:17
